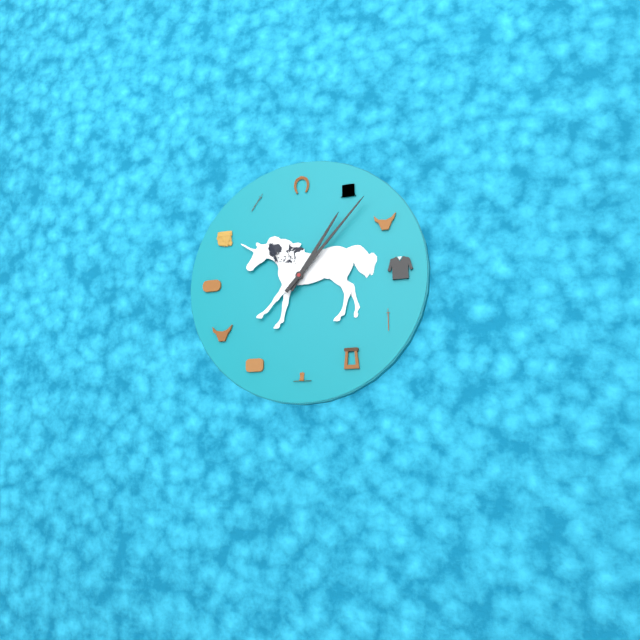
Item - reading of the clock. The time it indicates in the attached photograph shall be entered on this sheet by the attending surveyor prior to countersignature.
1:07
